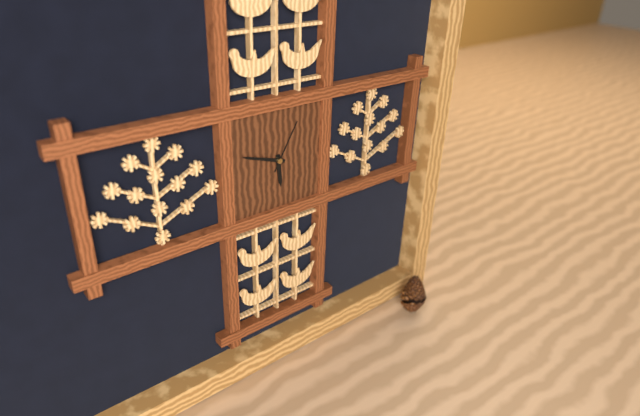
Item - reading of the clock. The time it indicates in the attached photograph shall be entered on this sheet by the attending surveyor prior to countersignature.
5:48:05
